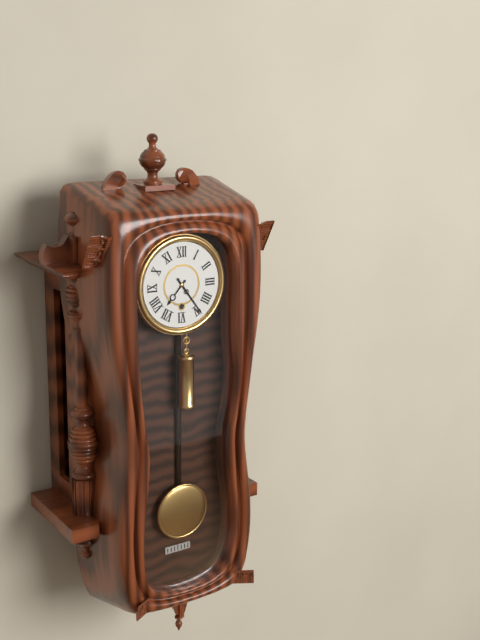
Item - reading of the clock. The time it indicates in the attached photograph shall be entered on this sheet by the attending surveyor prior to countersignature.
7:24
